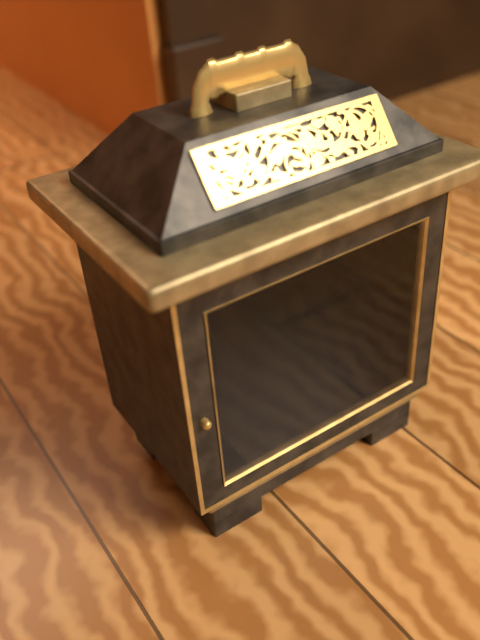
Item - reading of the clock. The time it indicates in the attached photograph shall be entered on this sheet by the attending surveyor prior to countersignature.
4:54
